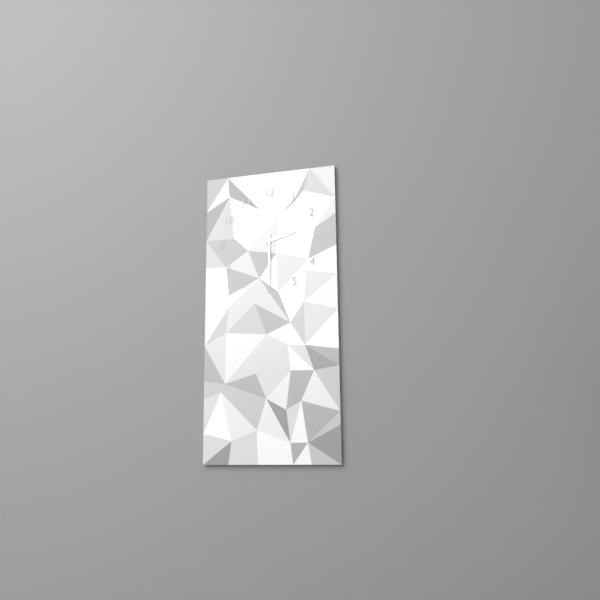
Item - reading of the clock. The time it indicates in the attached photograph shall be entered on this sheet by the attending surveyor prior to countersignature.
2:30
